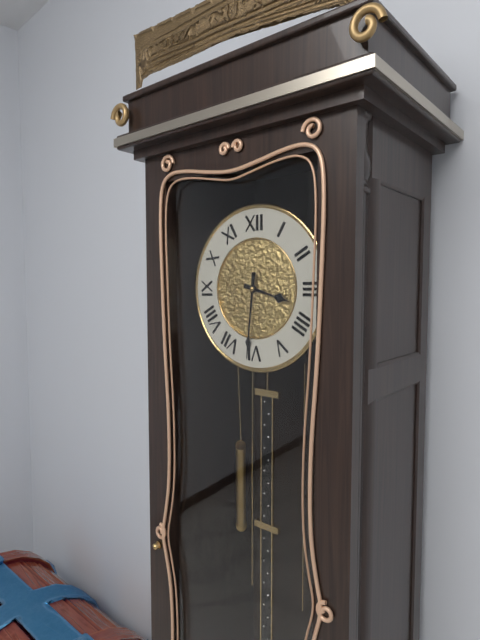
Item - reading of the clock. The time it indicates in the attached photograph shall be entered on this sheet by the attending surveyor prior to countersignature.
3:31
